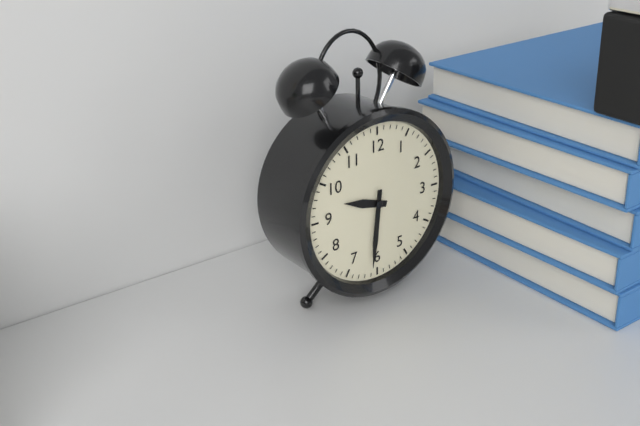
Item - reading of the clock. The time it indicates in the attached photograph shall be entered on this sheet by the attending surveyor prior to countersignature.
9:31
